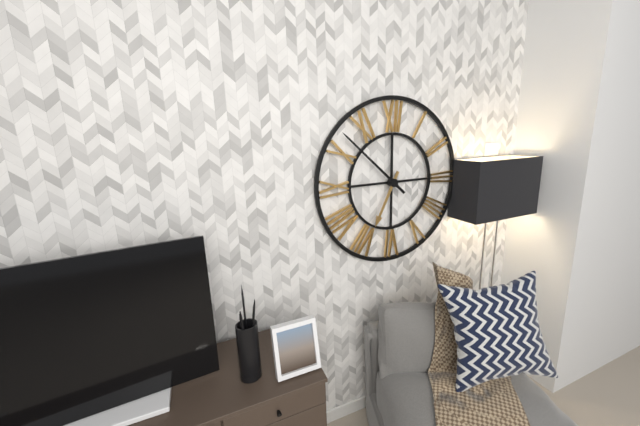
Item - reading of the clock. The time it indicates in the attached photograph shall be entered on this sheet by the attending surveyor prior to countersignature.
6:52
